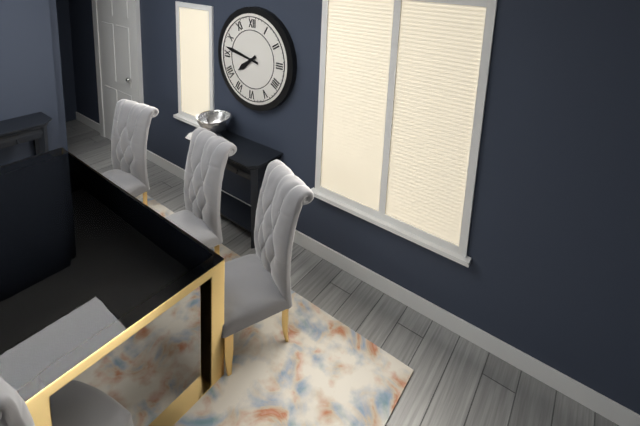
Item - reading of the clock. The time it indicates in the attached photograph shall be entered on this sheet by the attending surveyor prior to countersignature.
7:47
